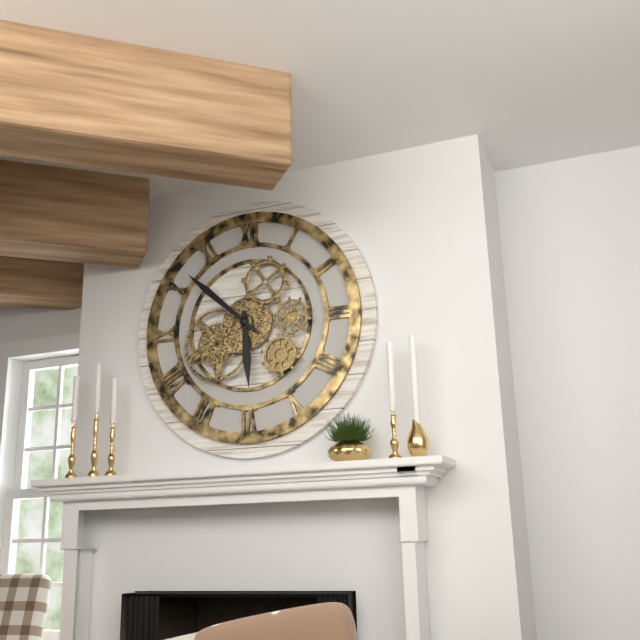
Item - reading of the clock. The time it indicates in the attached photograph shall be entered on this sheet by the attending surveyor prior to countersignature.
5:52
